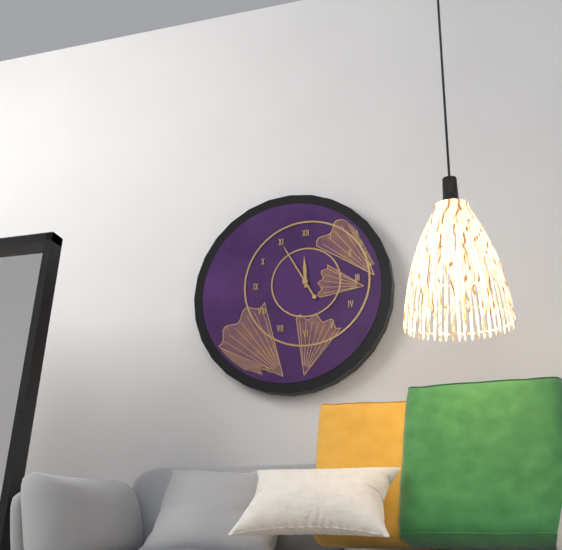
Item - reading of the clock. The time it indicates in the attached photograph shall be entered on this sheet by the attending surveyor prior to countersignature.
11:55
